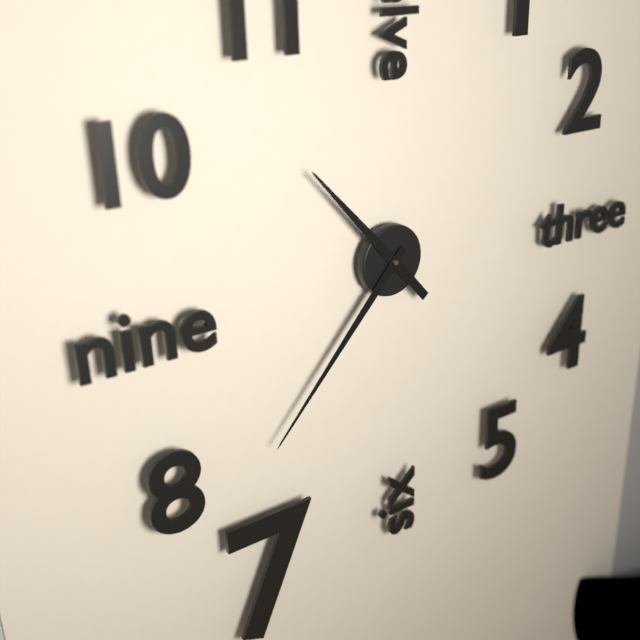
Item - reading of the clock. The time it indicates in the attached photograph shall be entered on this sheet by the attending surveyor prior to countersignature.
10:37
